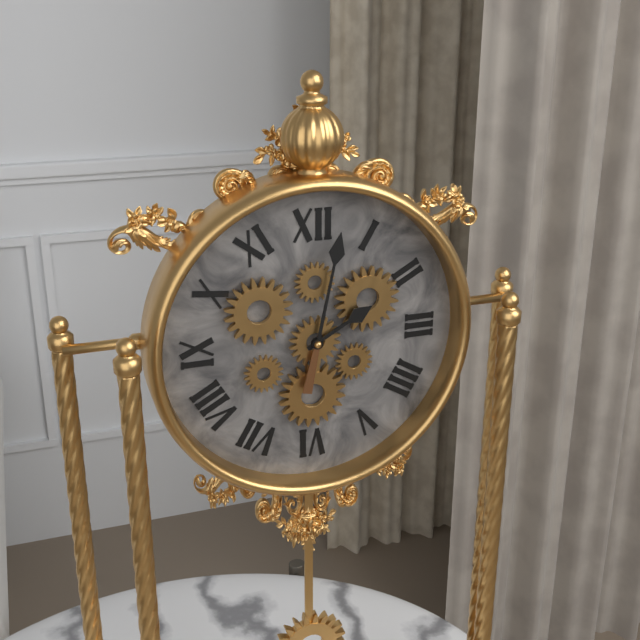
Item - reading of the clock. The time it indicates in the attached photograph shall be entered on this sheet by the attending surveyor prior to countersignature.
2:02
